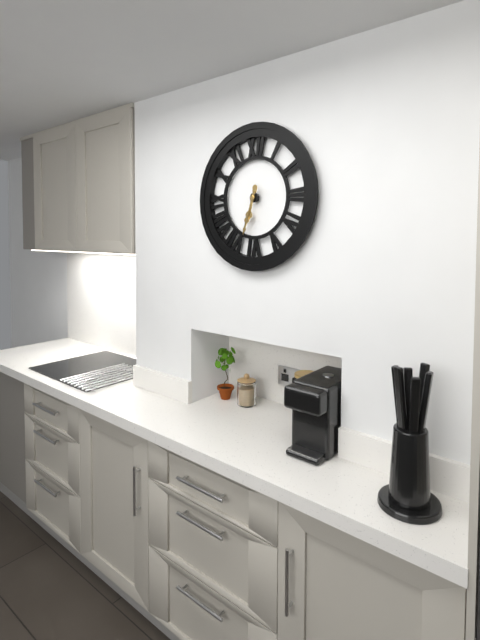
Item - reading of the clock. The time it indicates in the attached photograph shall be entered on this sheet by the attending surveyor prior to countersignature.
6:33
